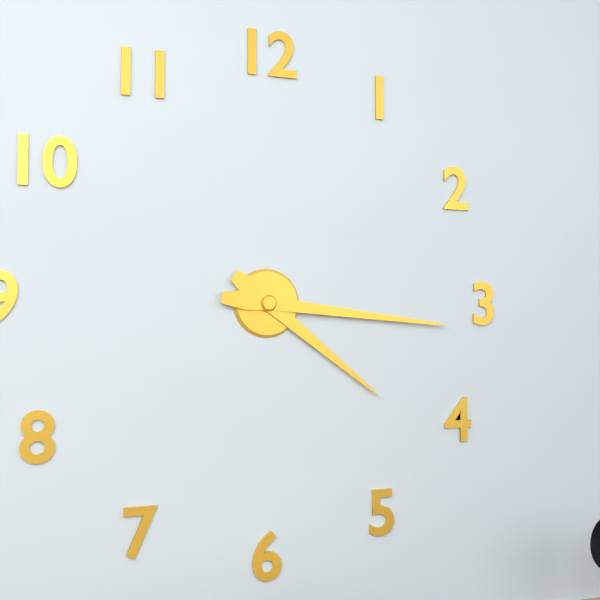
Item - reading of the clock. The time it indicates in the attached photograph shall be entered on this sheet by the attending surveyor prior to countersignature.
4:16
